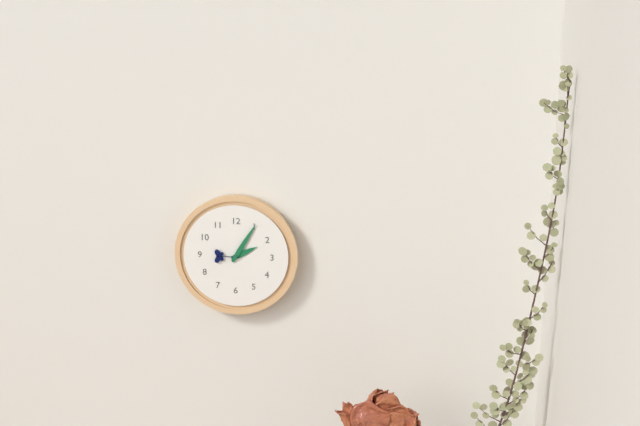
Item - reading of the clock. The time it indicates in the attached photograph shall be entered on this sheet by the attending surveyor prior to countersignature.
2:05
